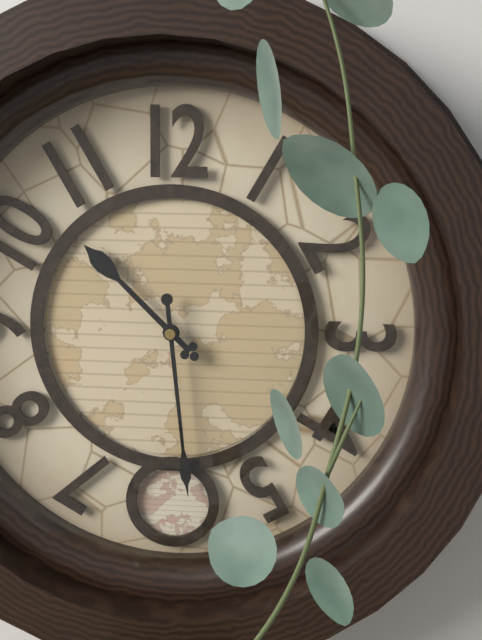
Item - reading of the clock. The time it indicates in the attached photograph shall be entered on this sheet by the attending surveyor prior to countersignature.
10:29
